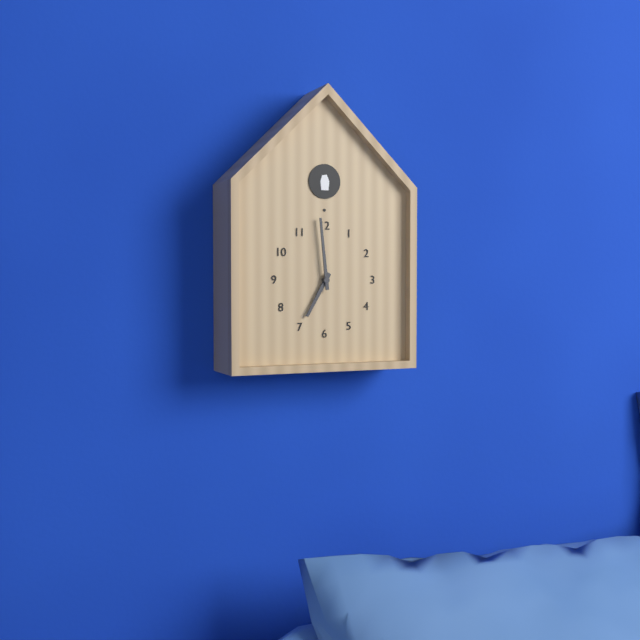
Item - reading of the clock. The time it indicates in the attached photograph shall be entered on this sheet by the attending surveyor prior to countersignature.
6:59
